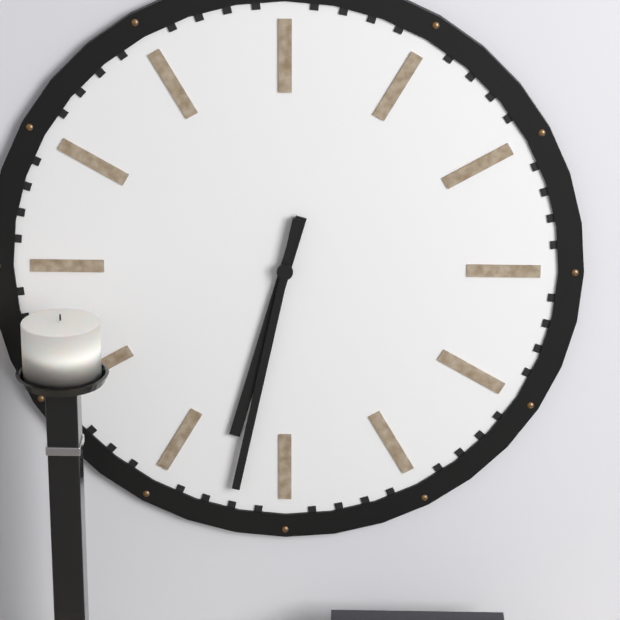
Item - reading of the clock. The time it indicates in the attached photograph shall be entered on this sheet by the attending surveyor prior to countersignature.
6:32
